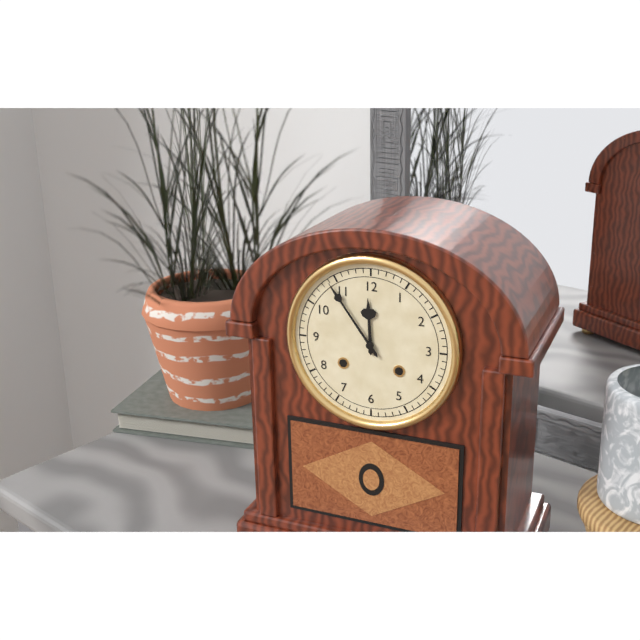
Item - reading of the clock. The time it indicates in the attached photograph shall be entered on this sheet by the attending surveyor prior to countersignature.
11:54
